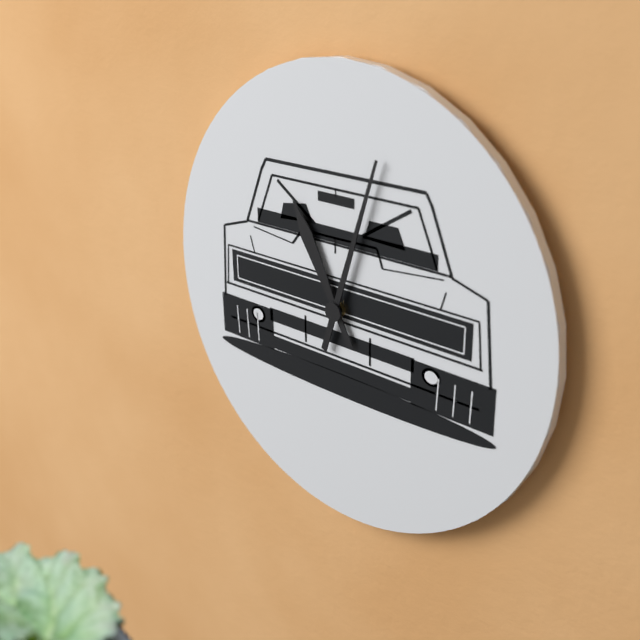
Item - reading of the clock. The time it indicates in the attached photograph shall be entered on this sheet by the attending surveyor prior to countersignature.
11:03
